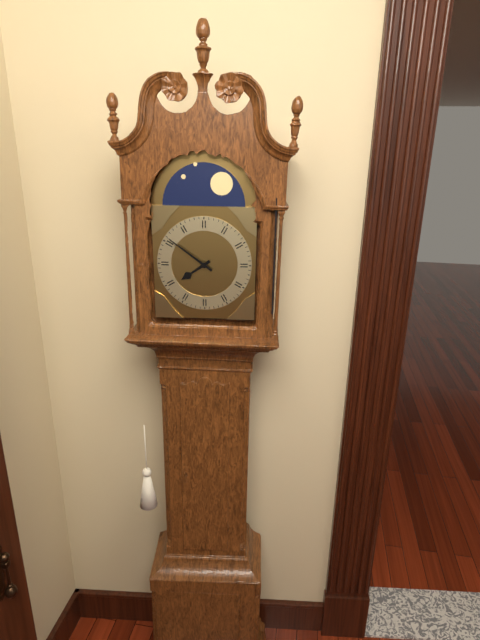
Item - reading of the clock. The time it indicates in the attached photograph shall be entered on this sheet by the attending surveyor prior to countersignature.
7:51
